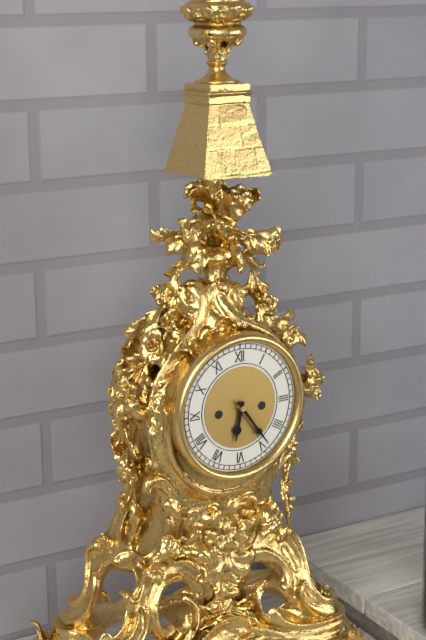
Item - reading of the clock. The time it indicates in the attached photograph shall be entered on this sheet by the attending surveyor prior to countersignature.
6:24
